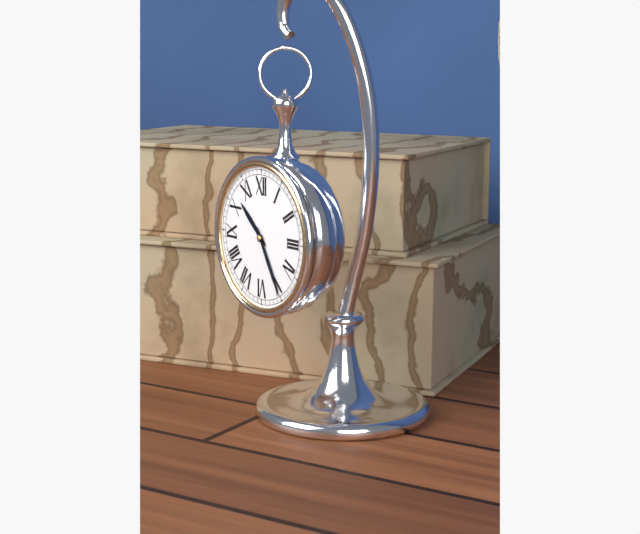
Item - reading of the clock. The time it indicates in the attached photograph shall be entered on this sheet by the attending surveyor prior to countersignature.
10:25
